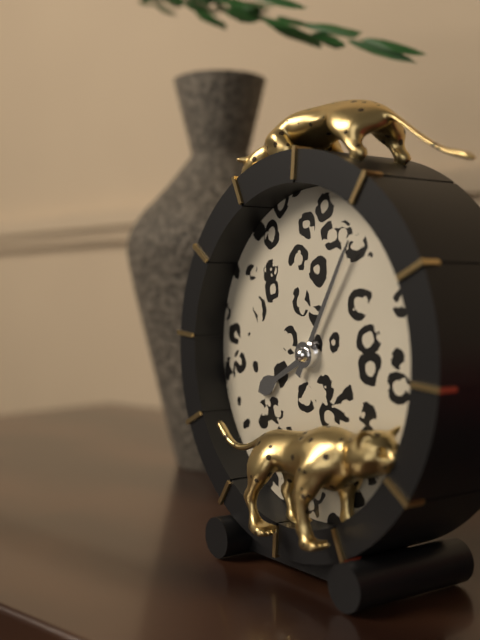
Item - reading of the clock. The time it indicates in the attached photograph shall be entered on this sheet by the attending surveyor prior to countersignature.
8:05
